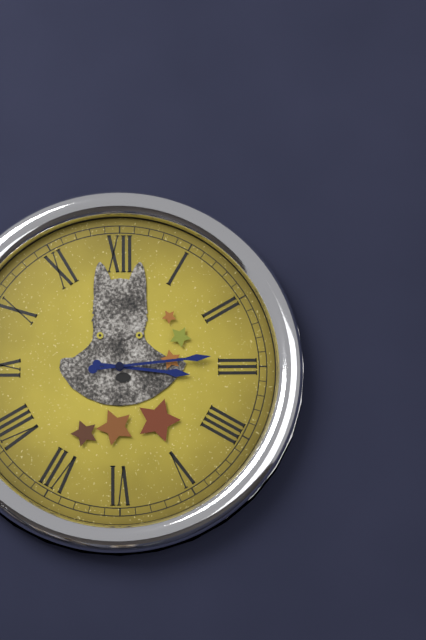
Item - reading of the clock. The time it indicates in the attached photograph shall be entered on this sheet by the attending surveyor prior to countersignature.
3:14
